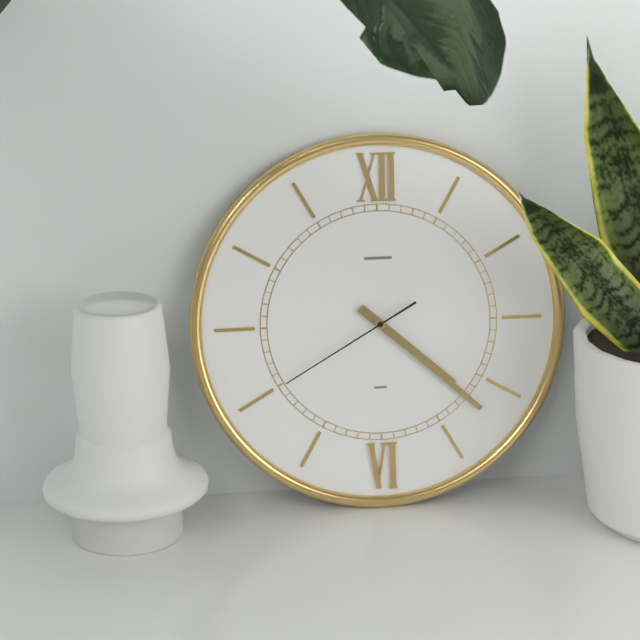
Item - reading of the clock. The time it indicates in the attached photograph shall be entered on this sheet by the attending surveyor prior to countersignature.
4:22:40
